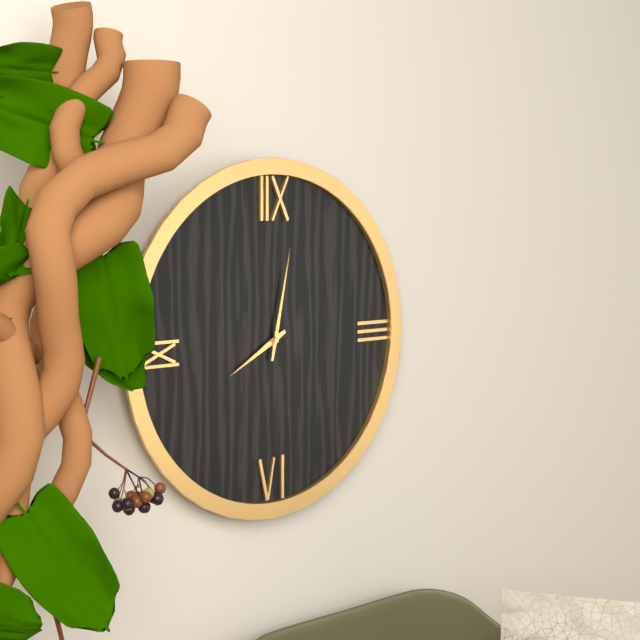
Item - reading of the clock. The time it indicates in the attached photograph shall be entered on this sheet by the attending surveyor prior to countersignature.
8:02
